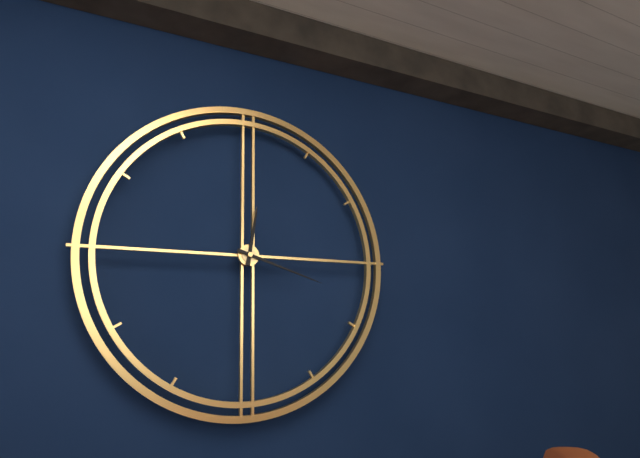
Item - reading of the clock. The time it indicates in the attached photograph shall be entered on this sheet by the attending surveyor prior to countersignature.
12:18
